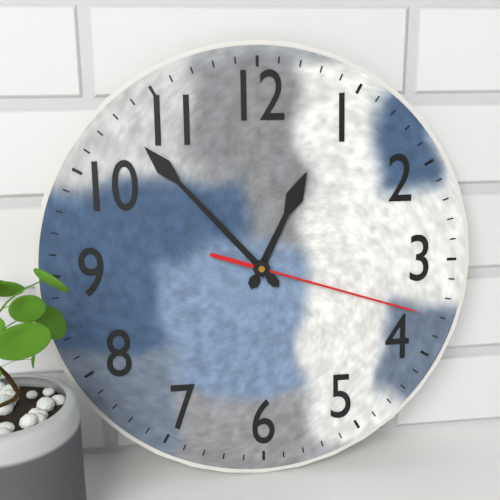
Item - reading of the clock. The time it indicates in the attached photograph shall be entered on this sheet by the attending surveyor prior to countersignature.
12:53:18
